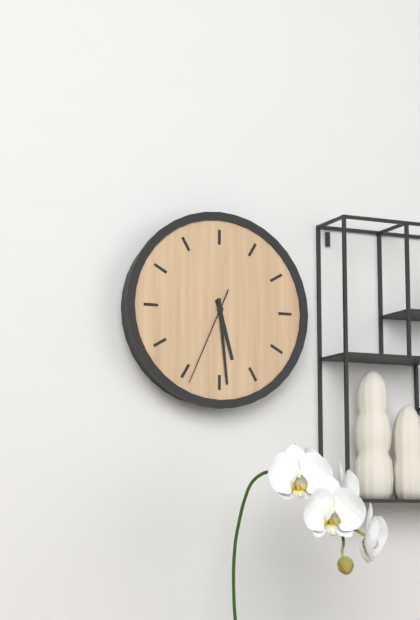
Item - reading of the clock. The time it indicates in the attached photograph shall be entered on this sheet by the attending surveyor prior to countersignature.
5:29:34
